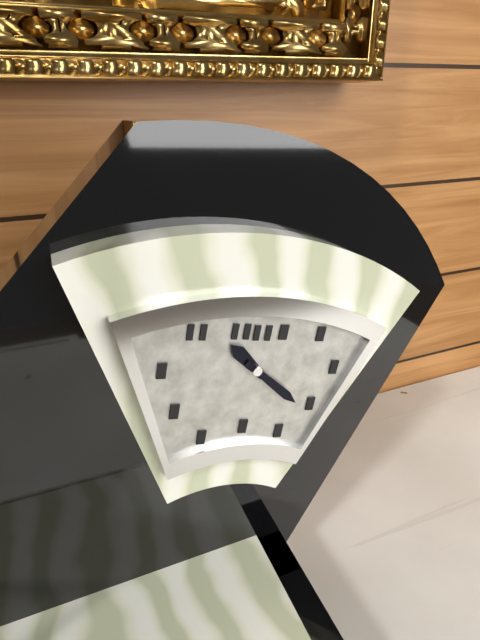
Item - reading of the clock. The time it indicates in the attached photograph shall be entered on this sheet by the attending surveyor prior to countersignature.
10:21
